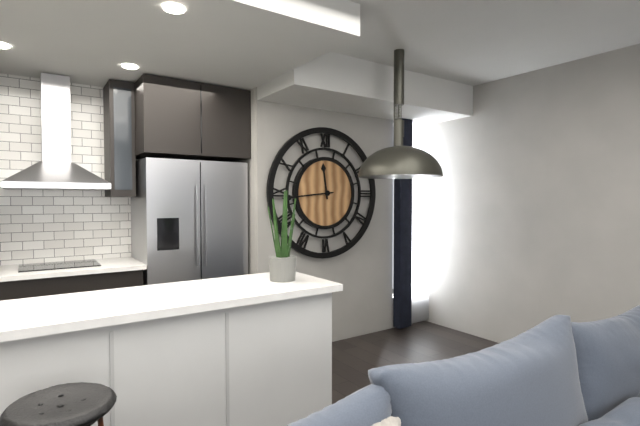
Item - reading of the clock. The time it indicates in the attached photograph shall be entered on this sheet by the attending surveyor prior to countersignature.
11:44
